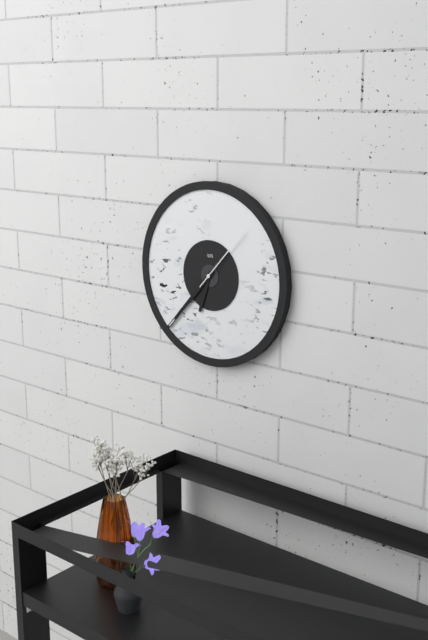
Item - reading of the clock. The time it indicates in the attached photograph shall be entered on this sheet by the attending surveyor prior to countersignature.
6:37:07
